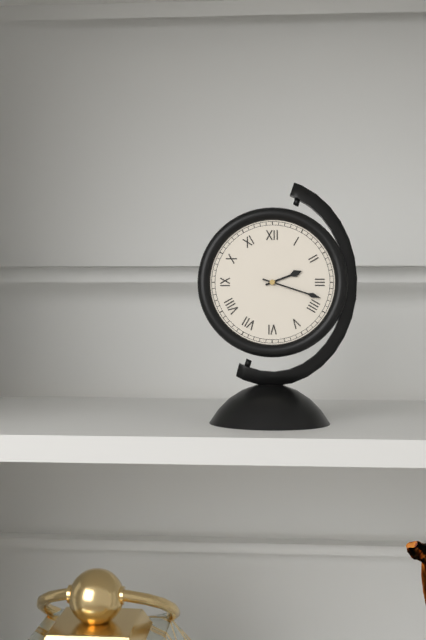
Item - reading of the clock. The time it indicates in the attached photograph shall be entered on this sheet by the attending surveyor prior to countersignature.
2:18
